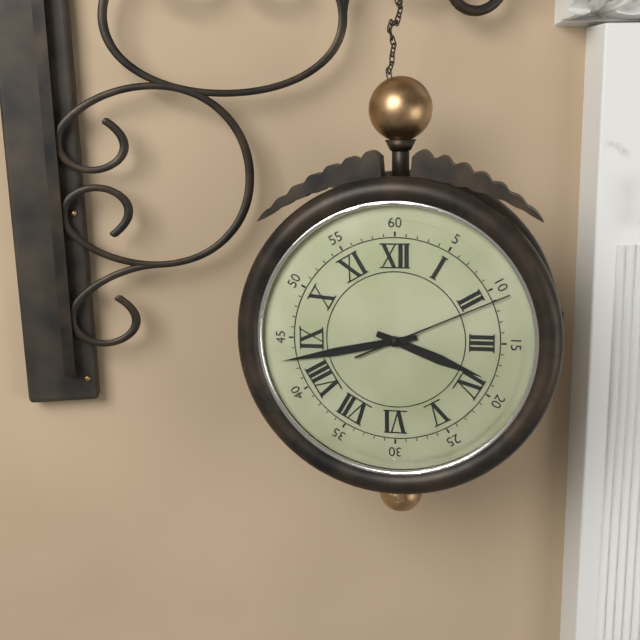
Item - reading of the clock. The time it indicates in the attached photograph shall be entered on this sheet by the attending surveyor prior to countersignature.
3:43:11
